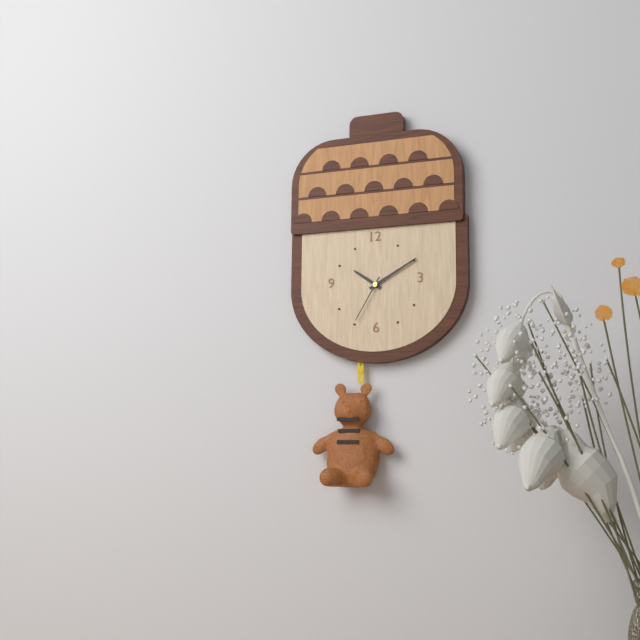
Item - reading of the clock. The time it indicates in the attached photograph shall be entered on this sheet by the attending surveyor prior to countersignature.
10:10:35
